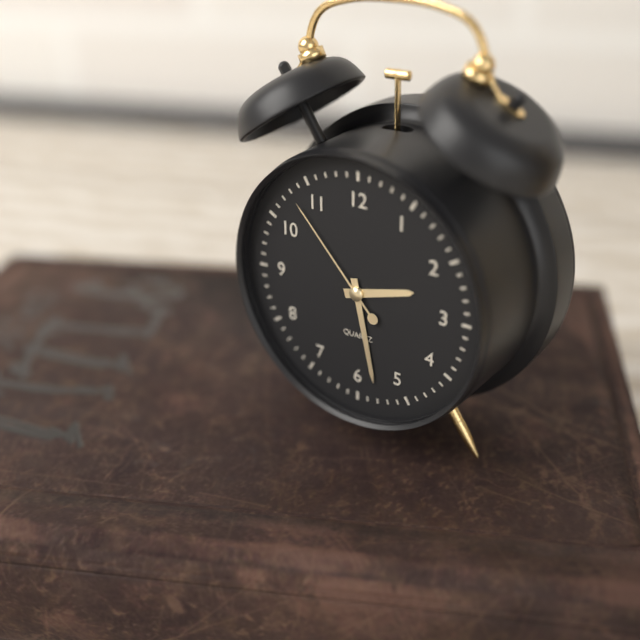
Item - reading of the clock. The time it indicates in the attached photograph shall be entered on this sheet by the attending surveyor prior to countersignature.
2:28:53
